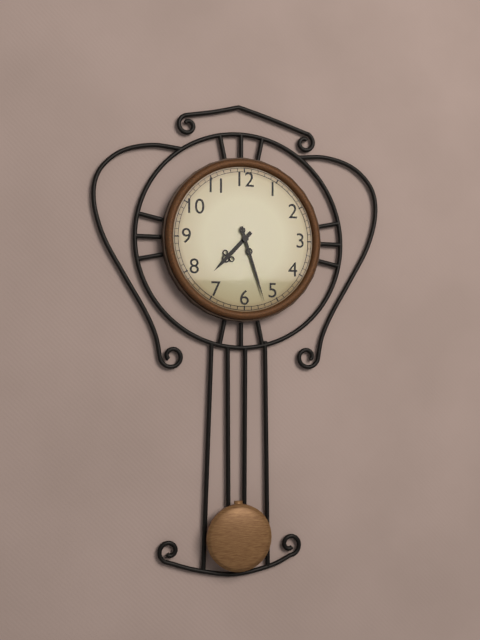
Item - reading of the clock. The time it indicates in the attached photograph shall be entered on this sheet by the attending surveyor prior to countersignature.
7:27
